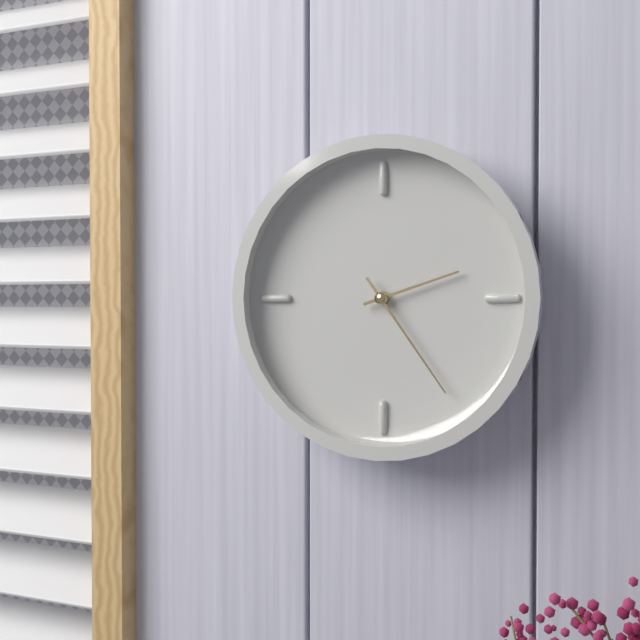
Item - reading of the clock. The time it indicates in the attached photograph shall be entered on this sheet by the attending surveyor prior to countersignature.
2:24
